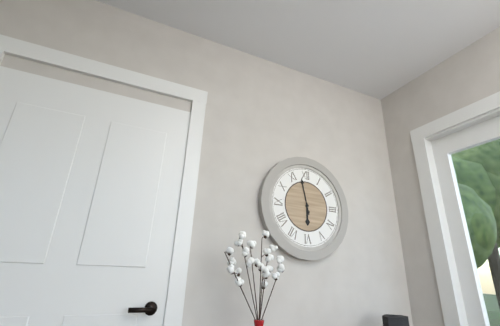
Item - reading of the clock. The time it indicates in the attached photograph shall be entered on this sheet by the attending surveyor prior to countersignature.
5:58
